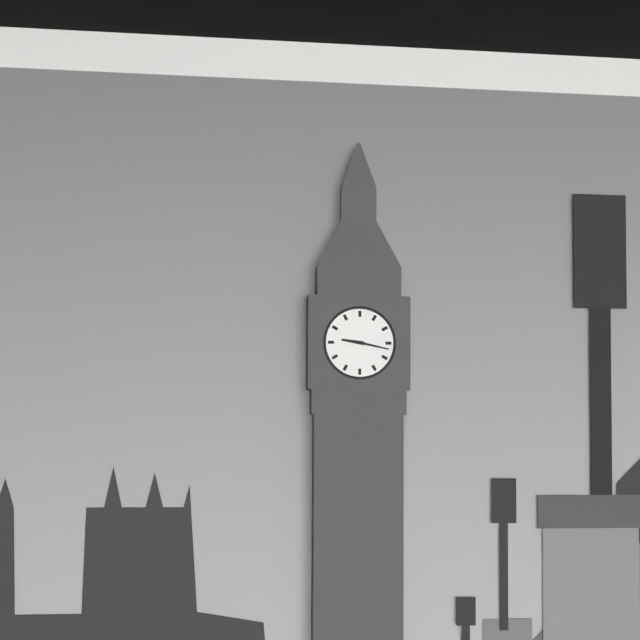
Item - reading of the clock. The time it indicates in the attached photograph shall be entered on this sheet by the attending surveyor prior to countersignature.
9:17
